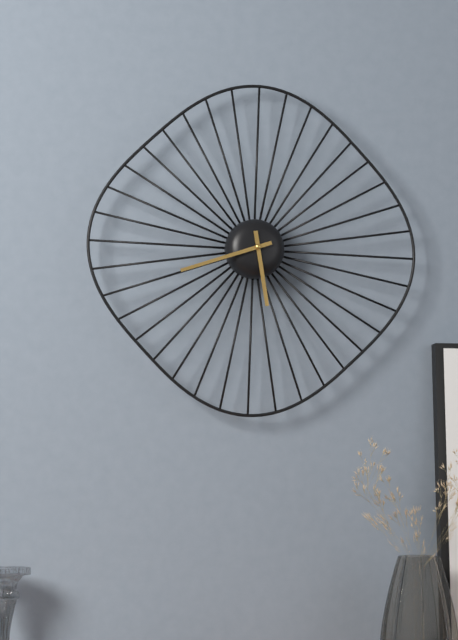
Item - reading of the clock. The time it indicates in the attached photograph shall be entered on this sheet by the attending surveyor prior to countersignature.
5:42
